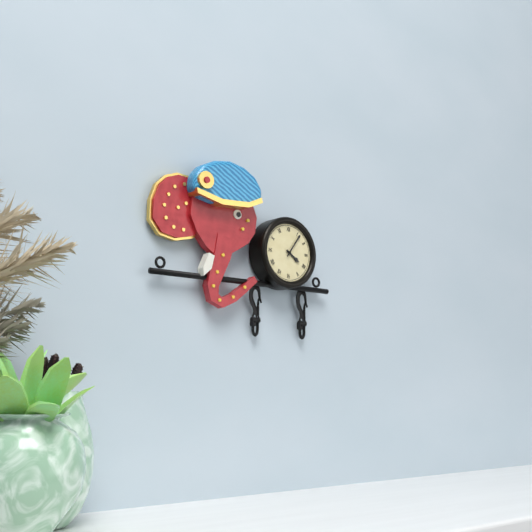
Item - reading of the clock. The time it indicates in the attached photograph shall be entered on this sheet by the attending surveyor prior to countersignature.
4:06
